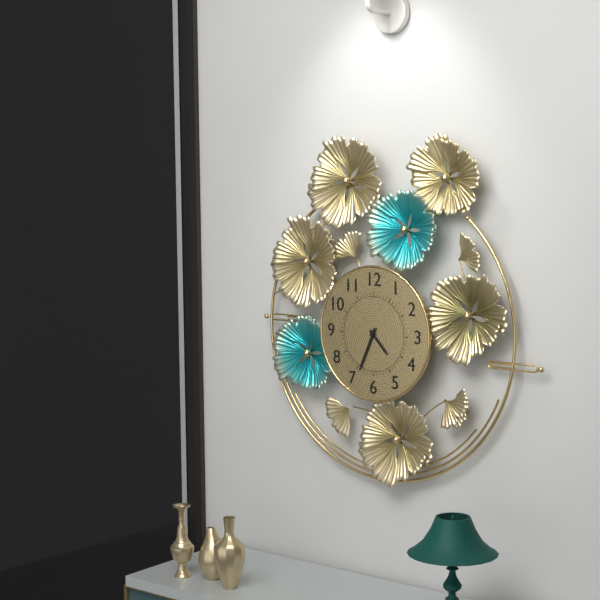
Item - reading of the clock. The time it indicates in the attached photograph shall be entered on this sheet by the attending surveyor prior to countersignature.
4:34
